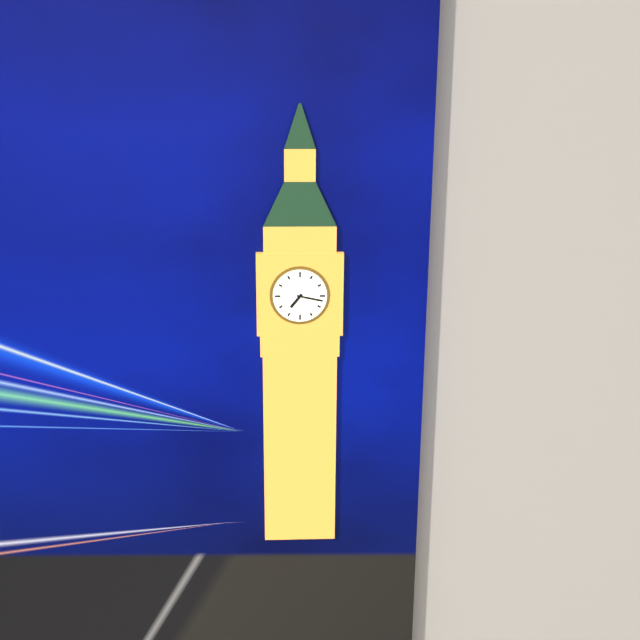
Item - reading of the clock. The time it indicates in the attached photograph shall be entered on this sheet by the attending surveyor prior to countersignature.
7:17
